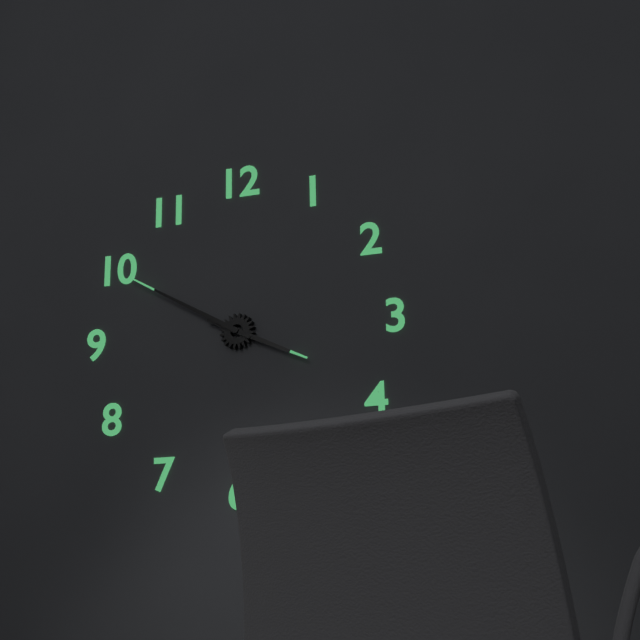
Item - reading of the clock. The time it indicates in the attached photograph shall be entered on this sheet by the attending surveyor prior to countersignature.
3:50
